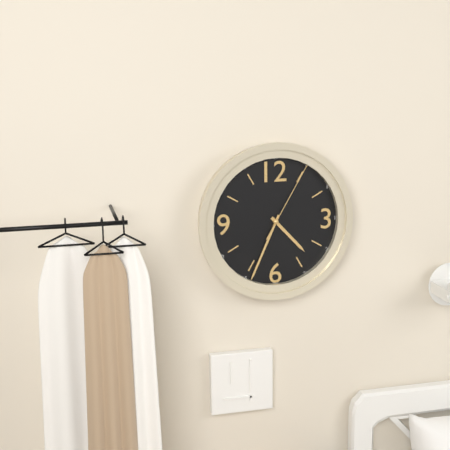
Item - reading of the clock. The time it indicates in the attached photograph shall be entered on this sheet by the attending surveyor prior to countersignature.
4:34:05
